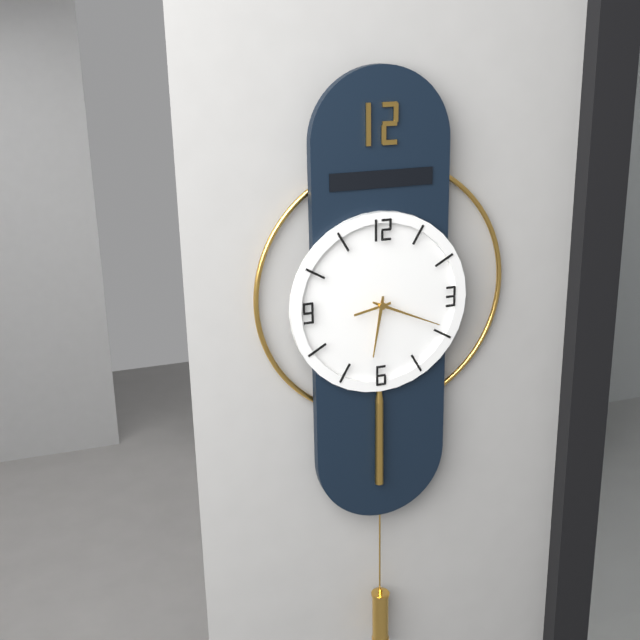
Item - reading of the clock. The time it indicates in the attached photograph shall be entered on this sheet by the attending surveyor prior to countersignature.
6:19
